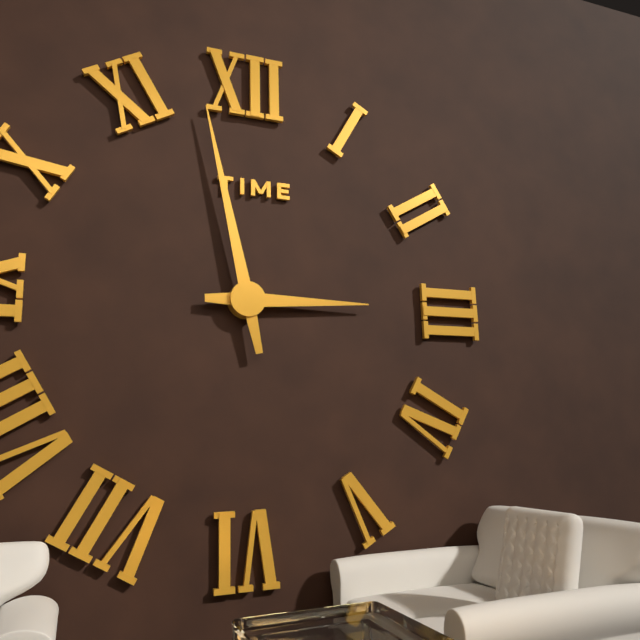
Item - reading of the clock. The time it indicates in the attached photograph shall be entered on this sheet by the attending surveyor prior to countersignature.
2:58
